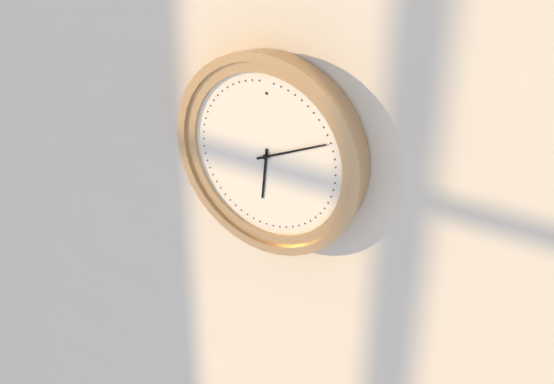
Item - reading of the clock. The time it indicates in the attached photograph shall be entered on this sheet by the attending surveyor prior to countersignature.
6:11
